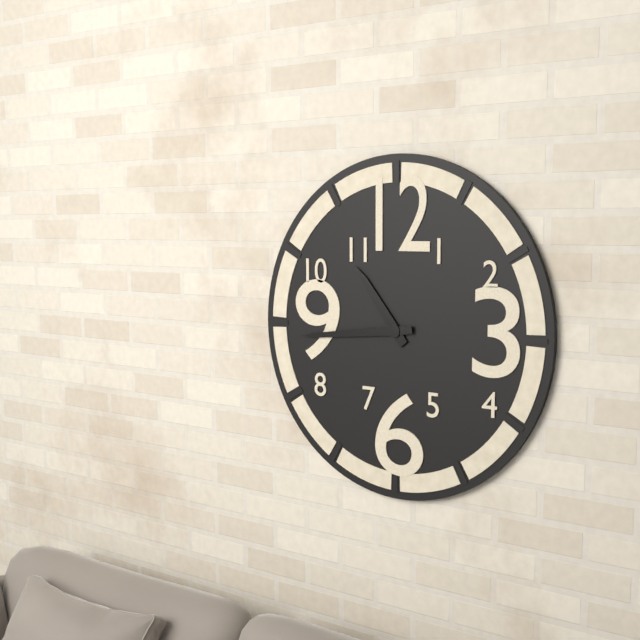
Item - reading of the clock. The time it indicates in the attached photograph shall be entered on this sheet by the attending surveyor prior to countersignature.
10:44
